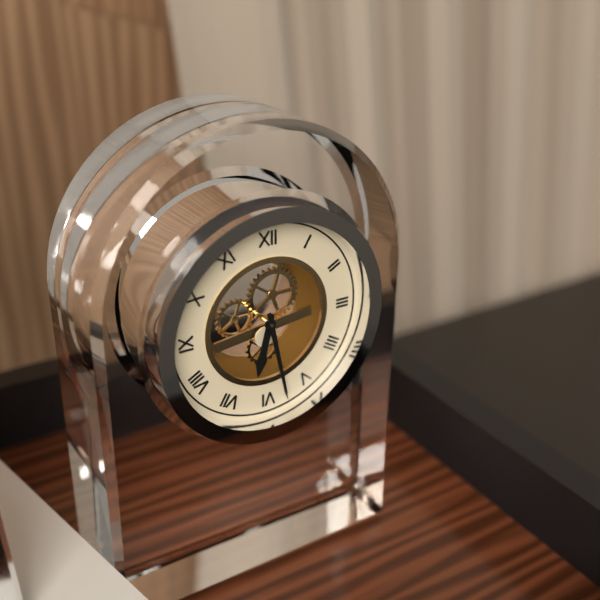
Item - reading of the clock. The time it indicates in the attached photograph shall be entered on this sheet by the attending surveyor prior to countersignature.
6:28
